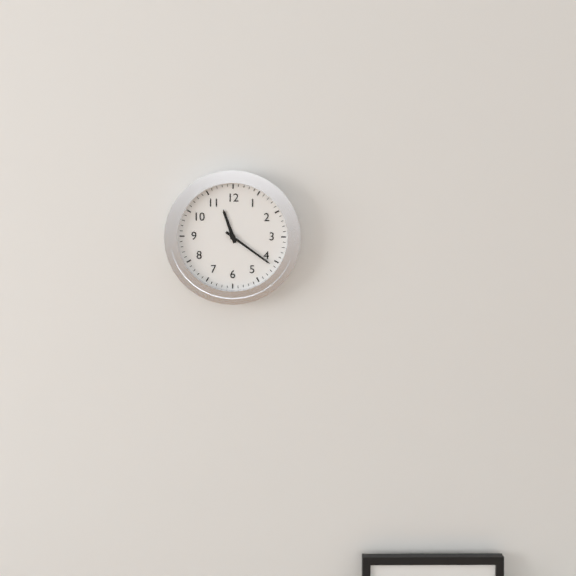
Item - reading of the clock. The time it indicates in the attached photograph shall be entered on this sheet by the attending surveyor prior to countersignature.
11:21
